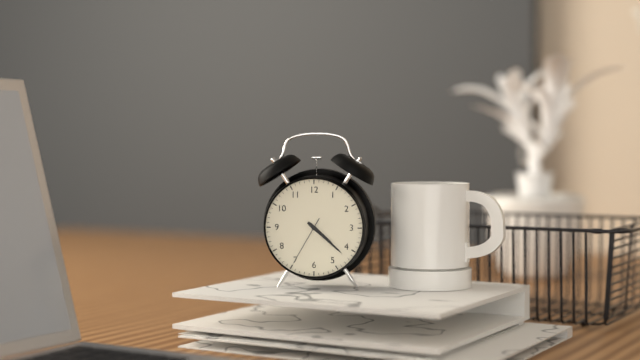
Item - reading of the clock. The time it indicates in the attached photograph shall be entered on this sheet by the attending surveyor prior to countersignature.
4:22:35
